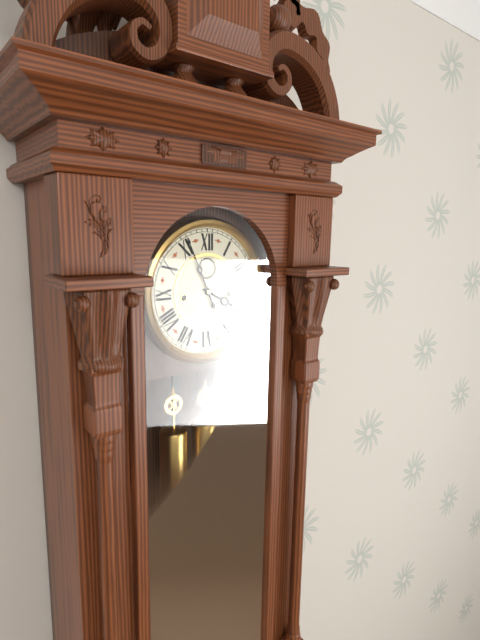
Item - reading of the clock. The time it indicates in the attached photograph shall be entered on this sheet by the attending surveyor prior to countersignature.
3:56
